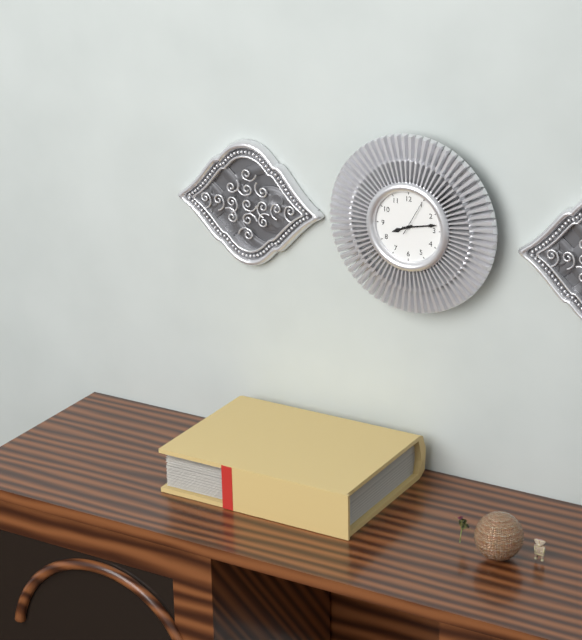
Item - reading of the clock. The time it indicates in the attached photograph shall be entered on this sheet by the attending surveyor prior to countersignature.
8:13
